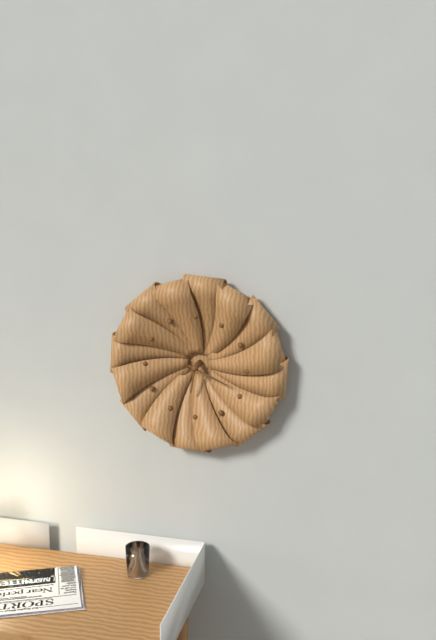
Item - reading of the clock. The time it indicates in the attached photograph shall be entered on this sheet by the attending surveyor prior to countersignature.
6:19
